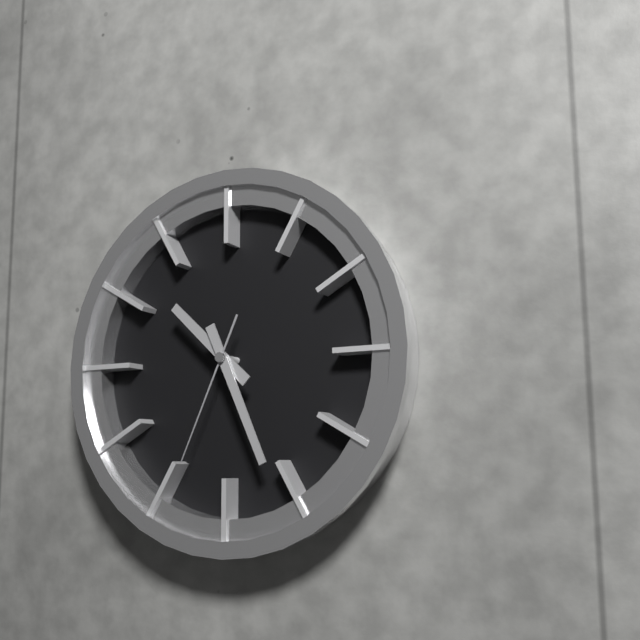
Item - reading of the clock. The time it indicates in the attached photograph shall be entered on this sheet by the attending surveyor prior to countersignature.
10:26:34
